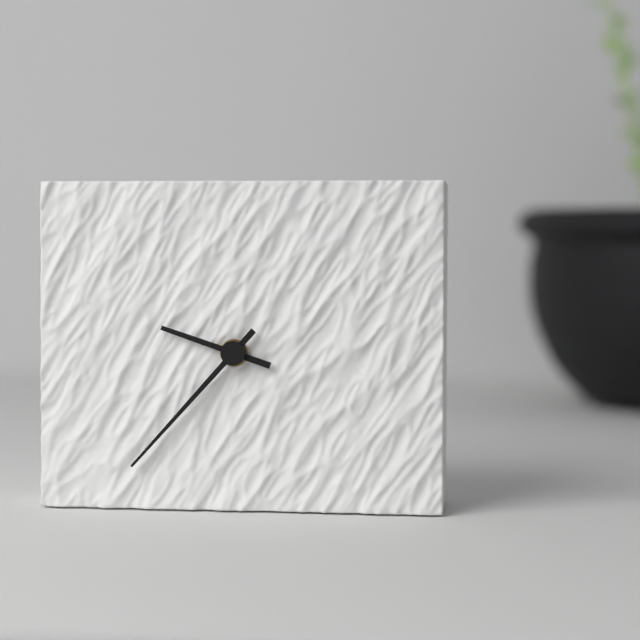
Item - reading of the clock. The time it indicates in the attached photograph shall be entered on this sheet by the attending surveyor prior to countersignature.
9:37
